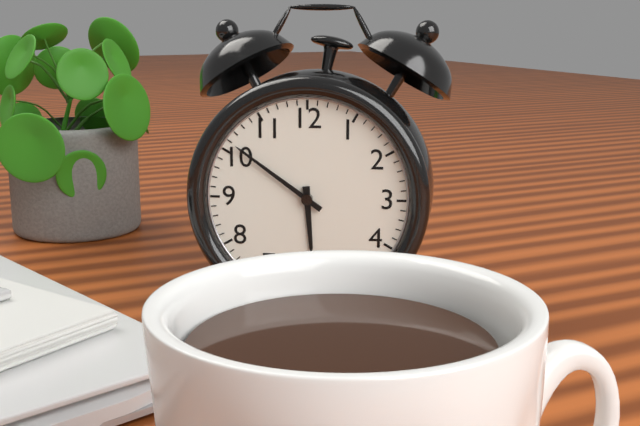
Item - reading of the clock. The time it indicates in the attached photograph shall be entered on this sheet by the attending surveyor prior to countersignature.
5:51
